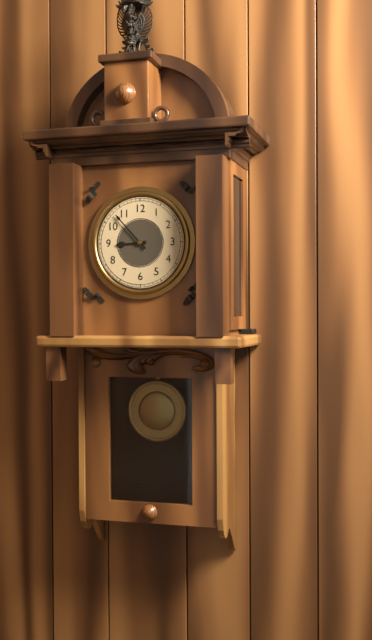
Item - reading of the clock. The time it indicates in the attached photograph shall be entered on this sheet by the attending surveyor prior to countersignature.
8:53
